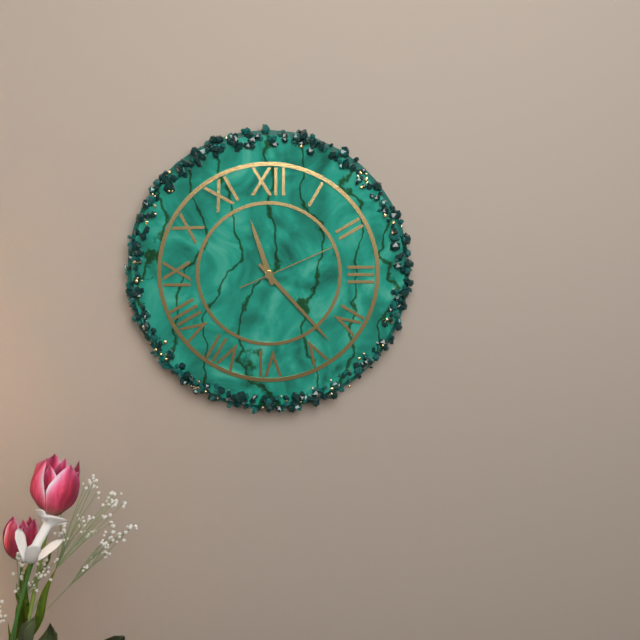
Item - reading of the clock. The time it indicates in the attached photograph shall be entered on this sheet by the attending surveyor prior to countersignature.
11:23:11
